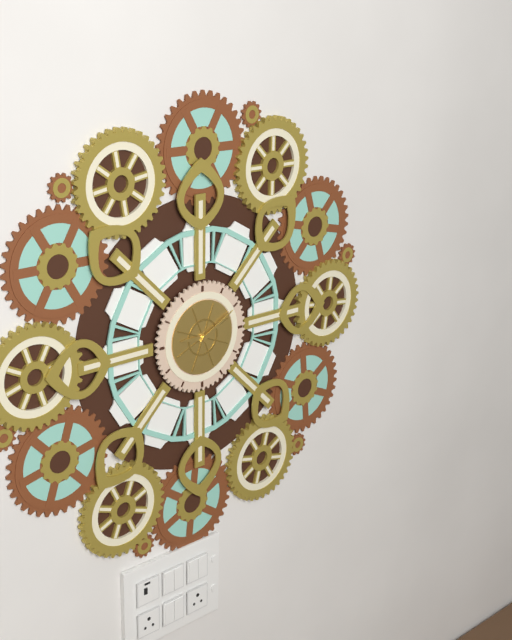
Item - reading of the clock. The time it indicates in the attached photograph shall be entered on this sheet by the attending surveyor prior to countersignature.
9:10
